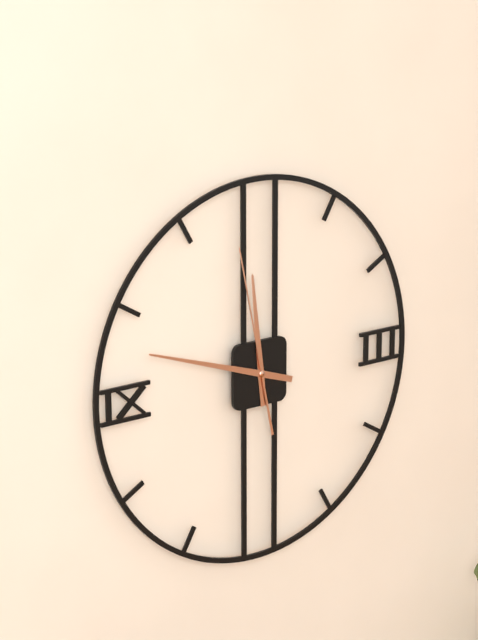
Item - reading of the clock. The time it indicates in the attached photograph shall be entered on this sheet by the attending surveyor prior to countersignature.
11:48:58
